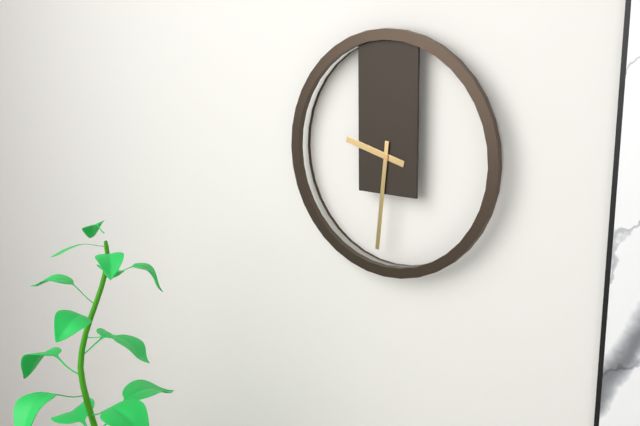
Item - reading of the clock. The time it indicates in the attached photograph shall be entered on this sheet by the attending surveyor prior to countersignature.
9:31
